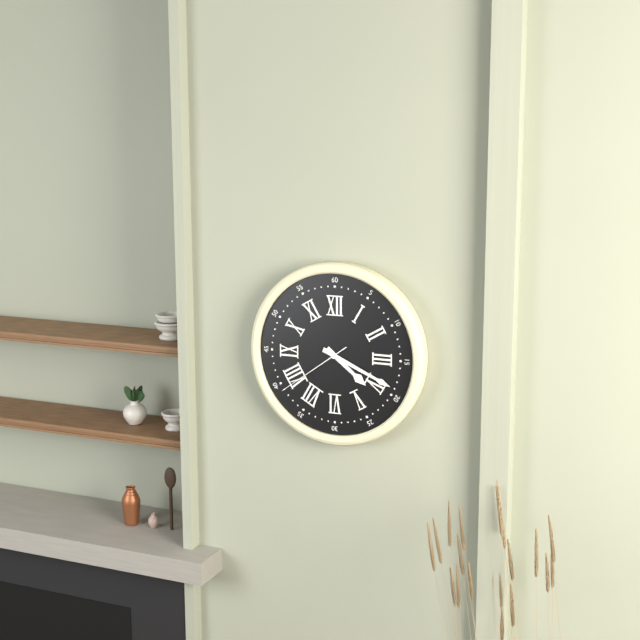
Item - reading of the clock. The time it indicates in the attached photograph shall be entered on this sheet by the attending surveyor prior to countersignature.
4:19:39
